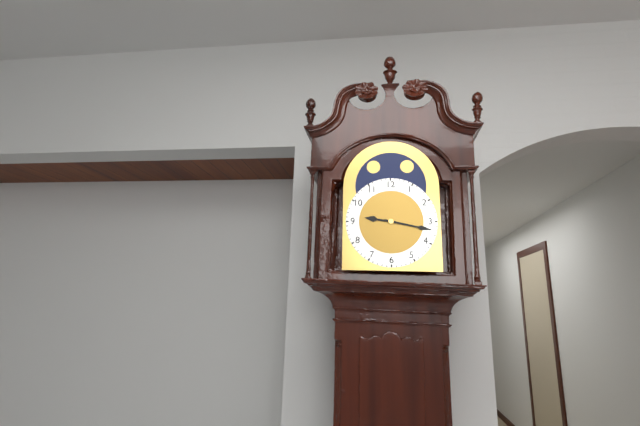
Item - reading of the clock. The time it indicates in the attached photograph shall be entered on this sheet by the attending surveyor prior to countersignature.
9:17
